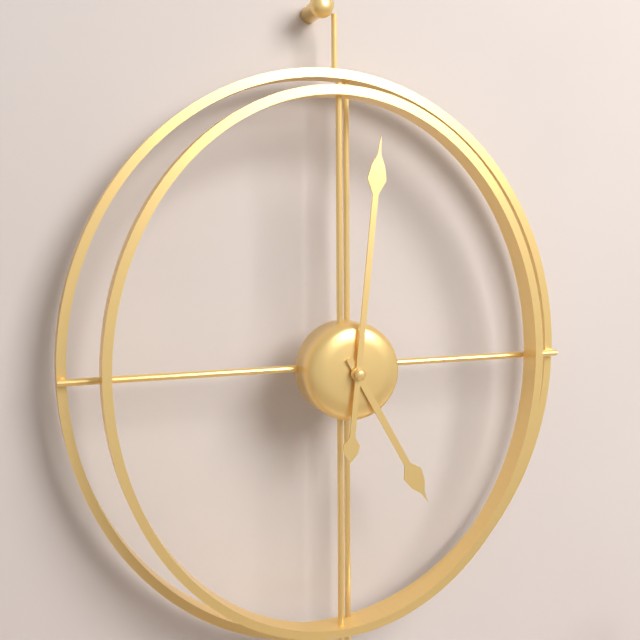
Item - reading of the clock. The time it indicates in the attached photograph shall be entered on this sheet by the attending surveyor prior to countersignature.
5:01
